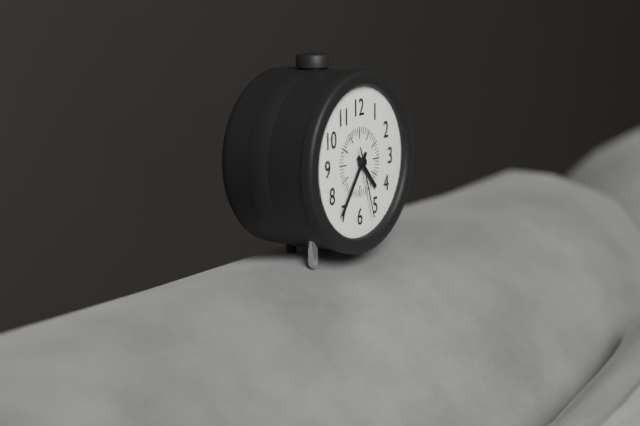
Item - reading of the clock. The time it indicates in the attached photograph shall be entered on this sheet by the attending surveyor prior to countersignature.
4:36:27
